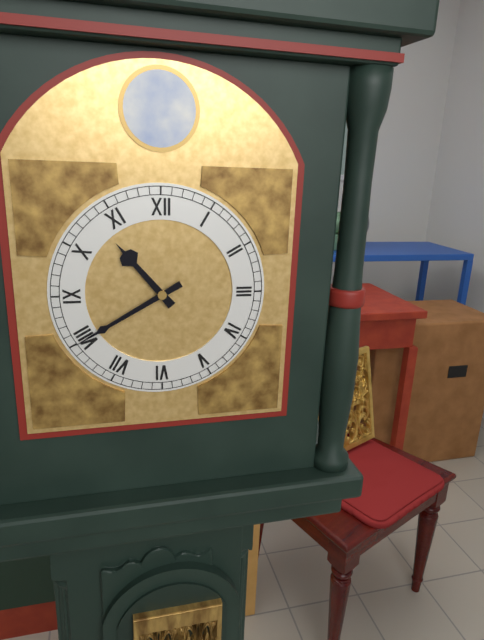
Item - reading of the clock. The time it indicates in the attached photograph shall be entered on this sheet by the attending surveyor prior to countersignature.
10:40
